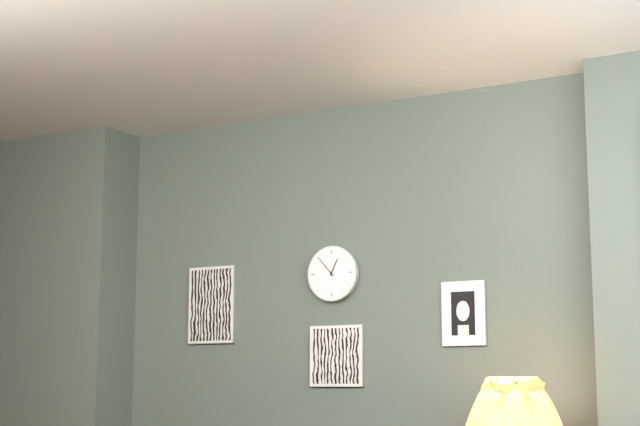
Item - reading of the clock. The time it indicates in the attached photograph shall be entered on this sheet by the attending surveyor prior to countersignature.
12:53
